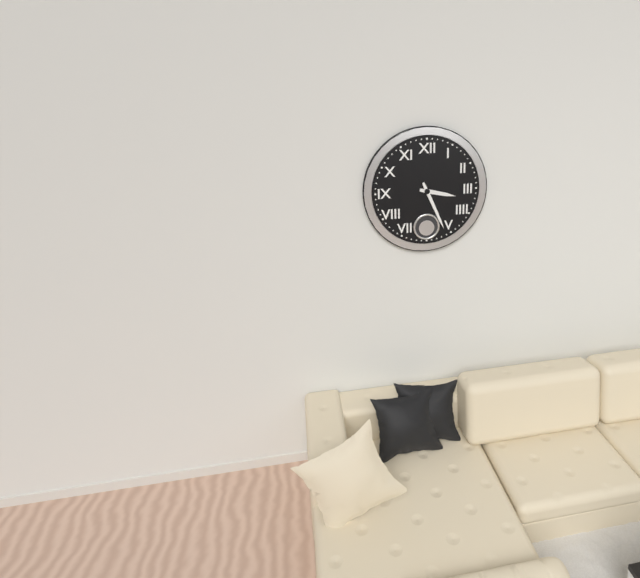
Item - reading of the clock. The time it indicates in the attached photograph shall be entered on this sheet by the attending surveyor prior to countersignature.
3:26
